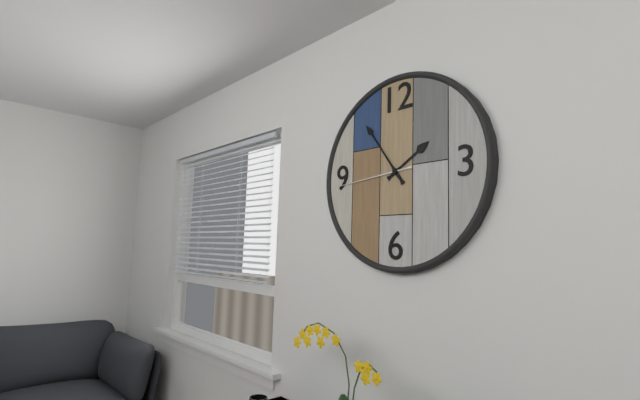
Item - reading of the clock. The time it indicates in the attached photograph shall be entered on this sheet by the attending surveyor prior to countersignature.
1:54:44
